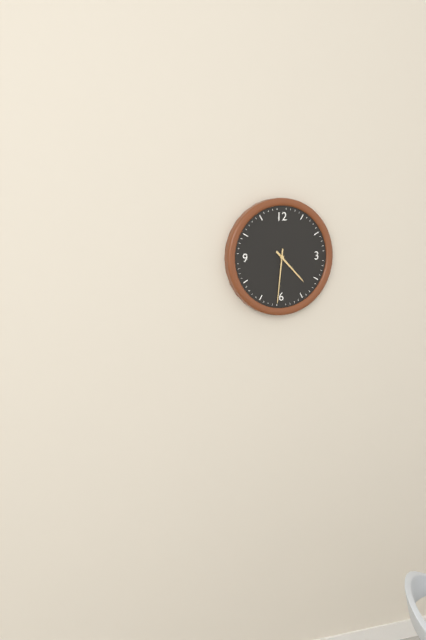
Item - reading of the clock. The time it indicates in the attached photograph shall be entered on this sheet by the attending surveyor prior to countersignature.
4:31
